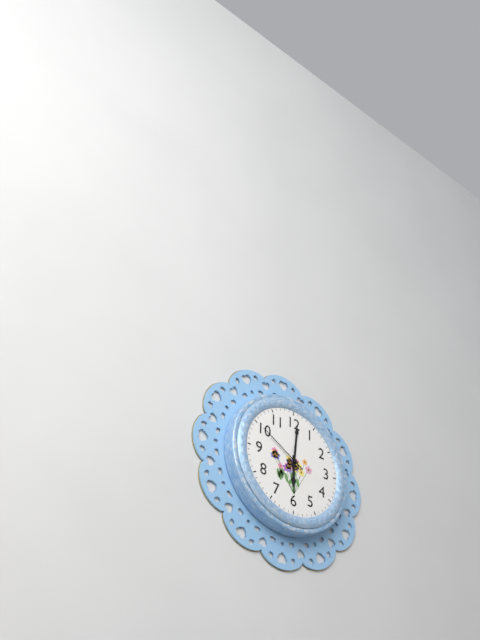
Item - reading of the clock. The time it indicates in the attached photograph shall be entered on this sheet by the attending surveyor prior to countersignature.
6:01:50
